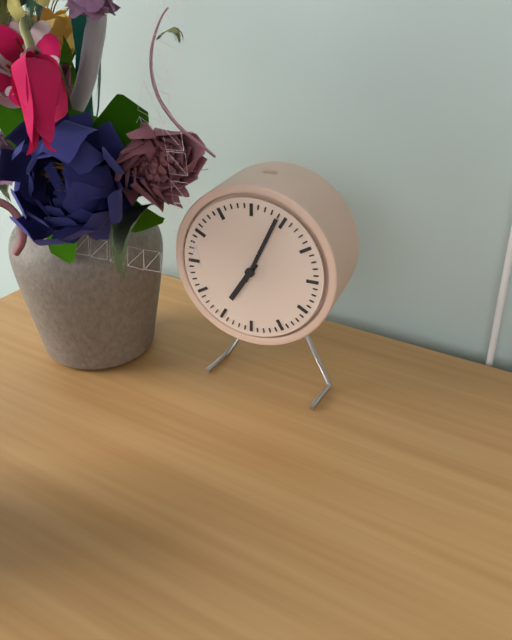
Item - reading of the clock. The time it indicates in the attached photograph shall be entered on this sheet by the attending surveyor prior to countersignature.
7:04
